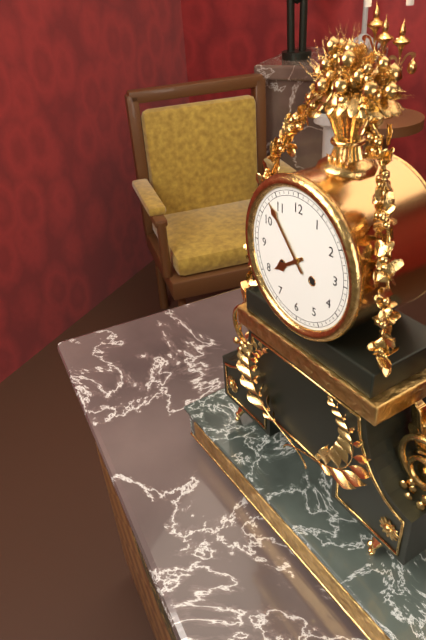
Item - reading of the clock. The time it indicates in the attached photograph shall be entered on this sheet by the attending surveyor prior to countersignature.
7:53
